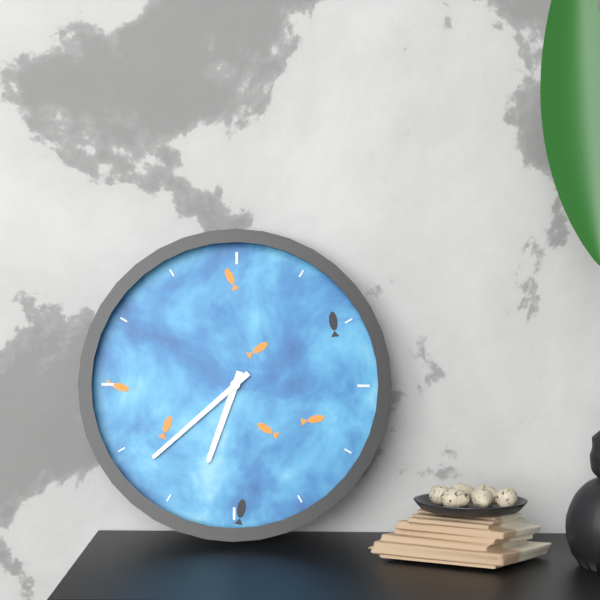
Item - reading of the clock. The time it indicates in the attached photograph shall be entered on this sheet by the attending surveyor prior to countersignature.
6:38
